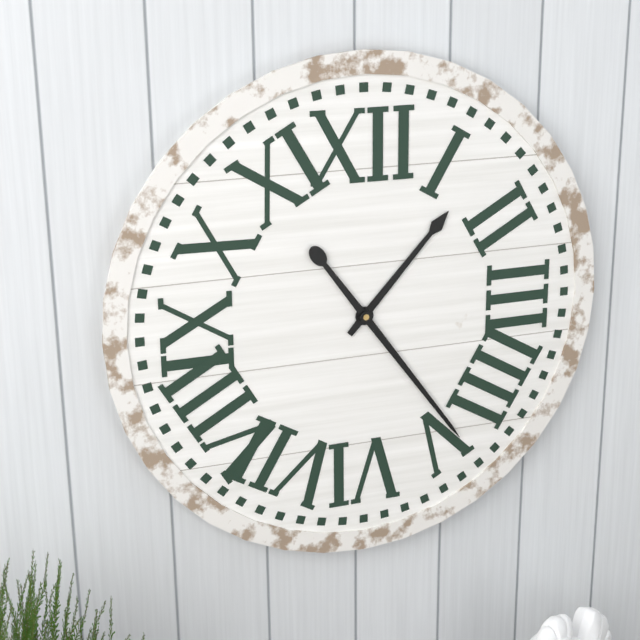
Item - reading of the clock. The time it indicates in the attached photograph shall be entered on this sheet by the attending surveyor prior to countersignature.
1:24
